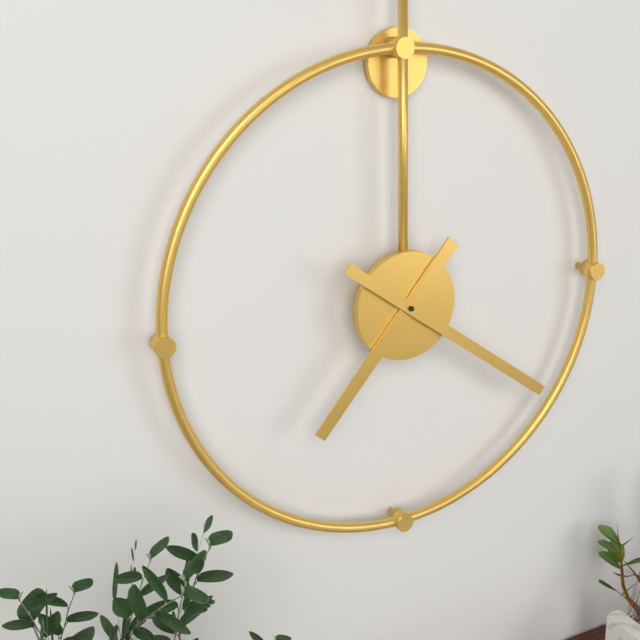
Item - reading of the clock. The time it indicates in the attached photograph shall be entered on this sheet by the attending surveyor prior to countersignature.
7:21
